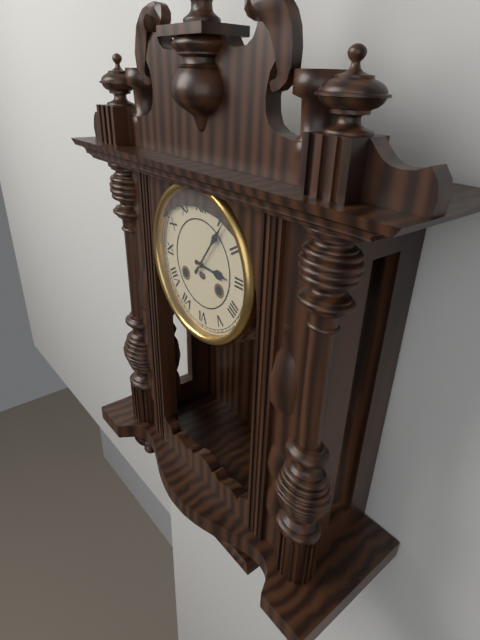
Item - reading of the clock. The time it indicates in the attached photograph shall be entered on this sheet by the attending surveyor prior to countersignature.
3:06
